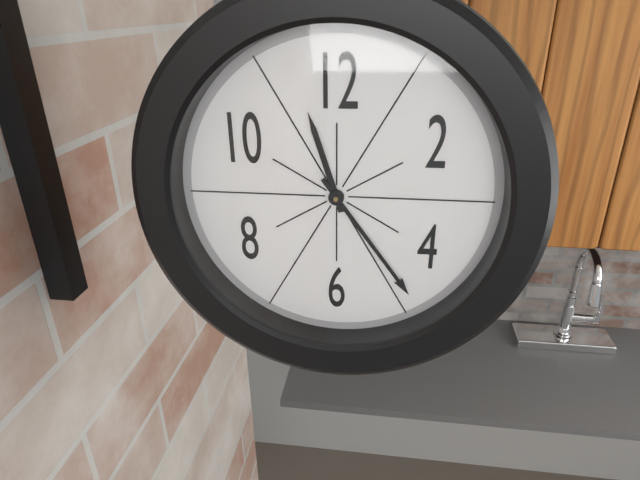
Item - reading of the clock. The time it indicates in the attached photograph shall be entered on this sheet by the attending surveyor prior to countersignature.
11:24
